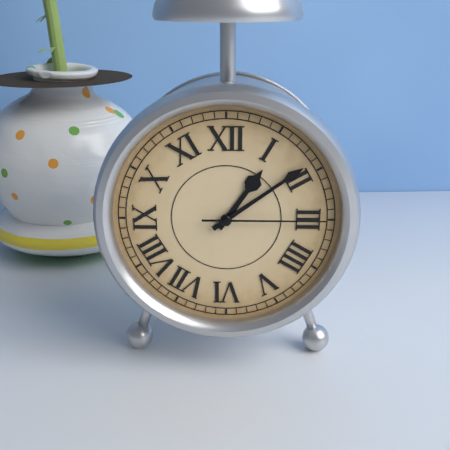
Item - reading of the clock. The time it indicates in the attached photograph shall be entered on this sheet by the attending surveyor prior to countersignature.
1:09:15
